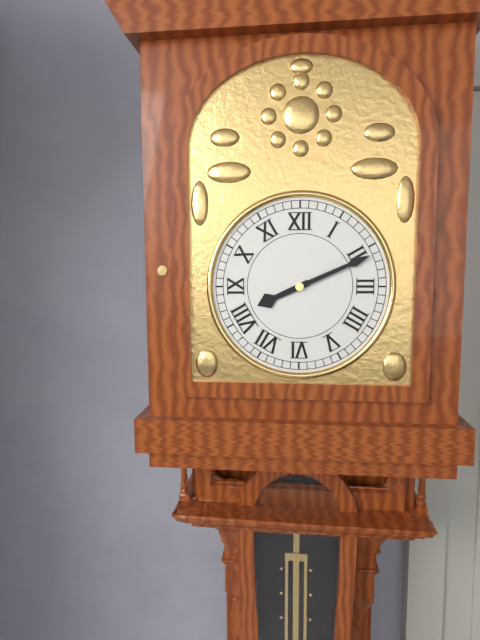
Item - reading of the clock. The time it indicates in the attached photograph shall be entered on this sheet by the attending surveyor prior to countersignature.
8:11
